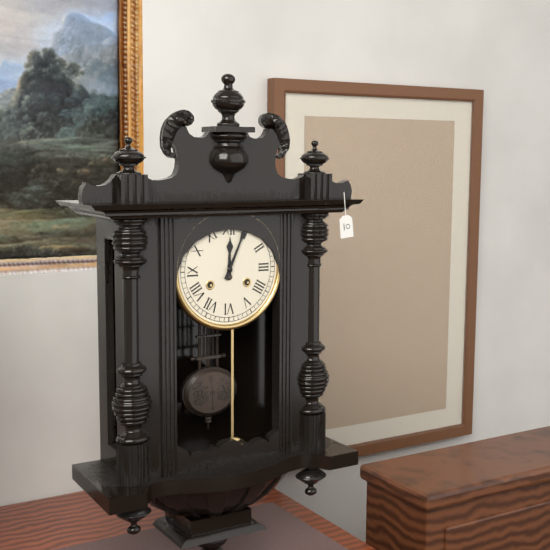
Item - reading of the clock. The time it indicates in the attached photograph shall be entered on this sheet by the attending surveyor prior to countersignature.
12:04
